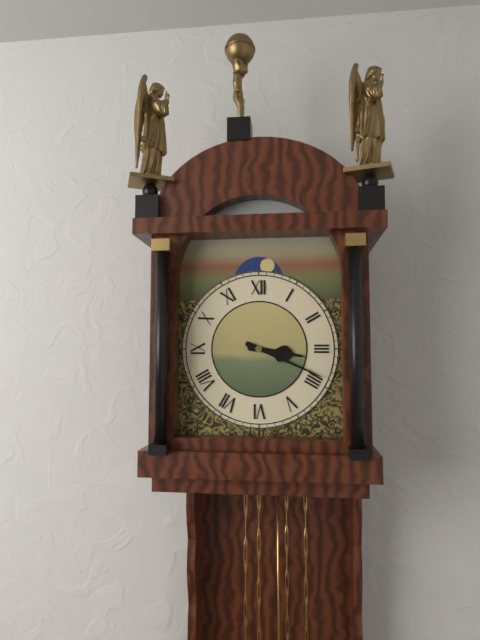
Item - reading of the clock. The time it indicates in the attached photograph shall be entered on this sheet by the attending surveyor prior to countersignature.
3:19
